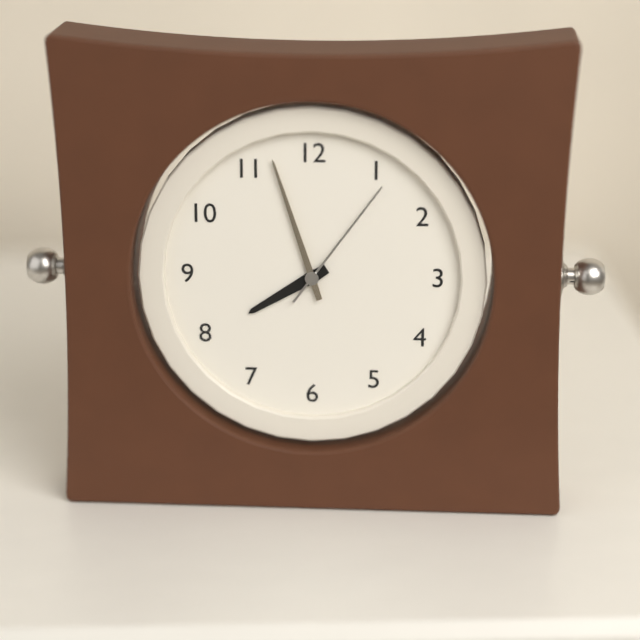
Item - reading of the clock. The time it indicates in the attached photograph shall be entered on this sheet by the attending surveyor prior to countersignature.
7:57:06
